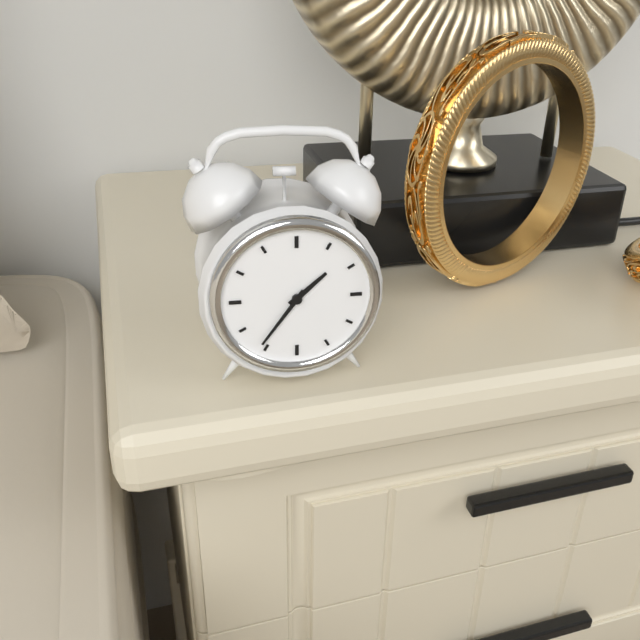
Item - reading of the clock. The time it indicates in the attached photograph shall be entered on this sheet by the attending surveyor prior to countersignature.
1:36
